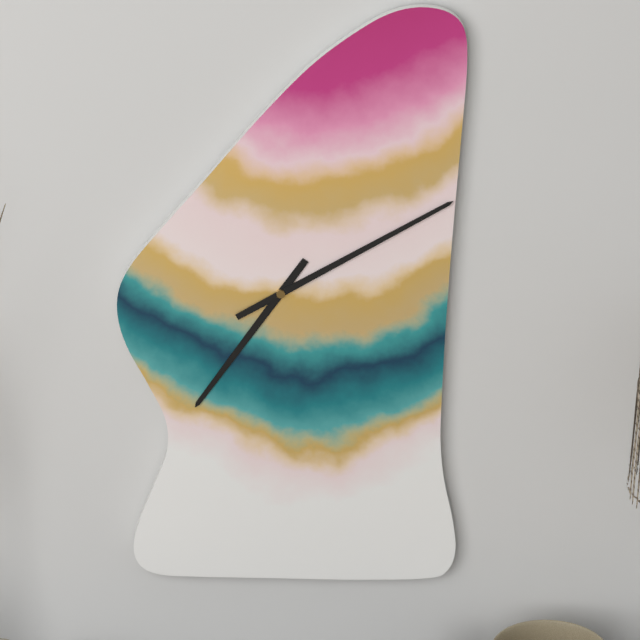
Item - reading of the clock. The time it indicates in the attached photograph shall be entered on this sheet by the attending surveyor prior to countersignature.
7:10
